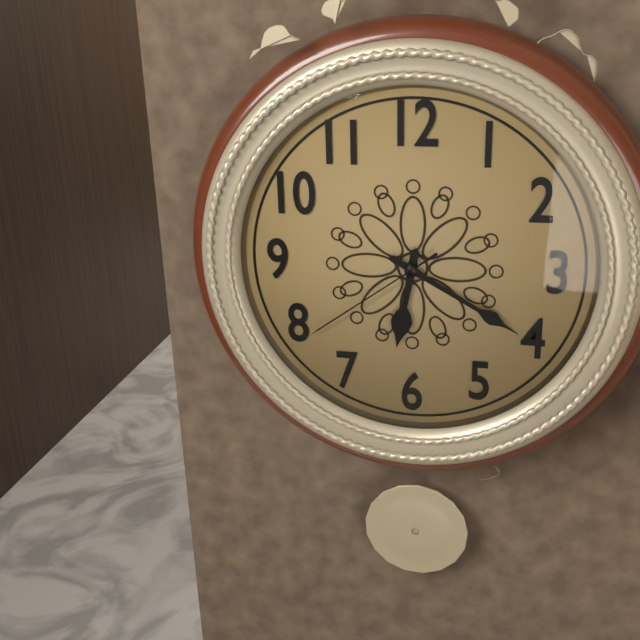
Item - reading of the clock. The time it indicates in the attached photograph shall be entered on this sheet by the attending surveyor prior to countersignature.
6:20:39
